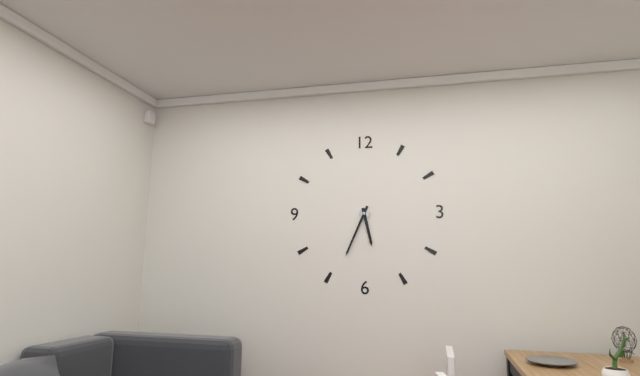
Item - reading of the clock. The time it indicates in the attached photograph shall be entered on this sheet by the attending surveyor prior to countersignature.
5:34
